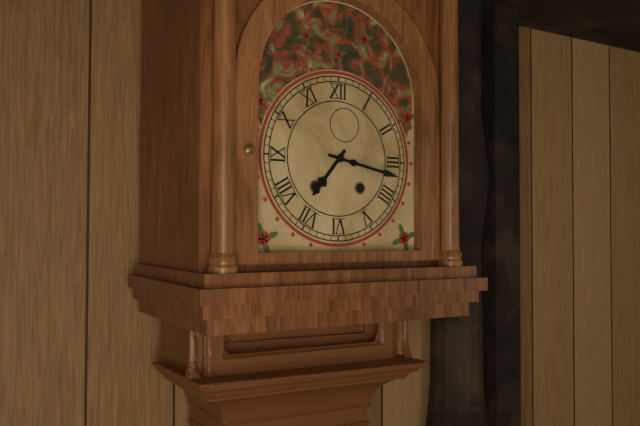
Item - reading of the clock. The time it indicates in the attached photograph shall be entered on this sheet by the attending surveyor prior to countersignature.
7:17
